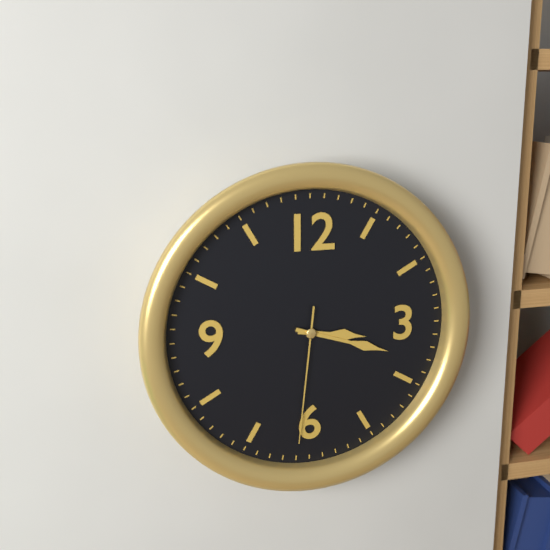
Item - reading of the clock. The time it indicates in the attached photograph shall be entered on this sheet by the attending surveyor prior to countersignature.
3:18:31
